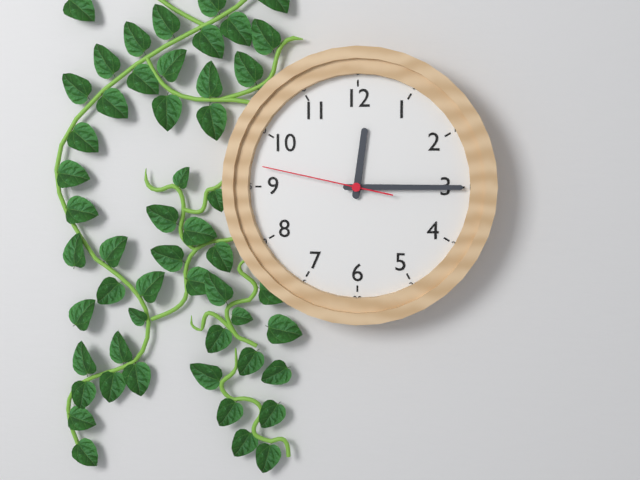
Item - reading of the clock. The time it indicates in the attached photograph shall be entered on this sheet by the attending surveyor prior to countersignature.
12:15:47
